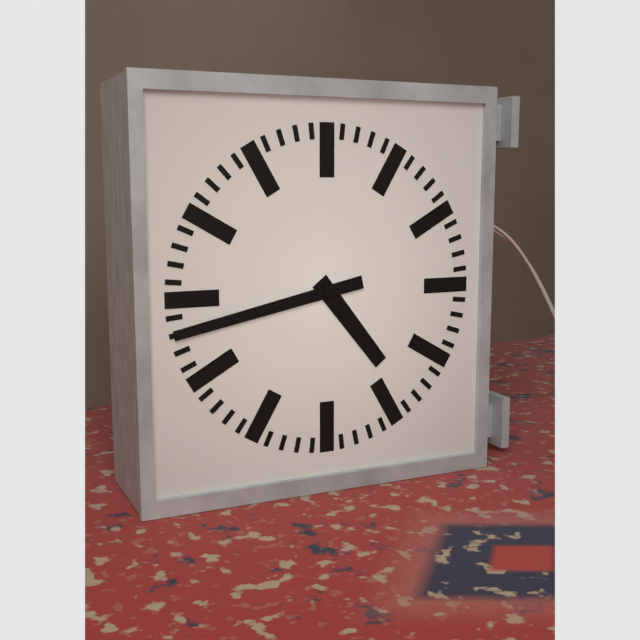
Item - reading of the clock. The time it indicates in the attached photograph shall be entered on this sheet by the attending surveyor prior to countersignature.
4:43
